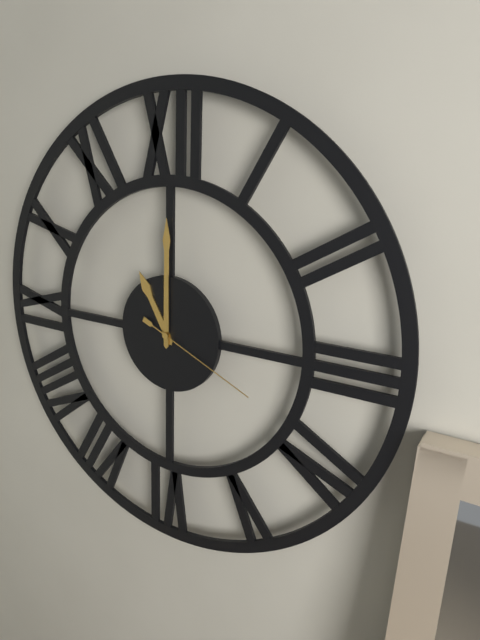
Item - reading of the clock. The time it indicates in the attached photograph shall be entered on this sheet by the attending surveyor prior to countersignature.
11:00:19
